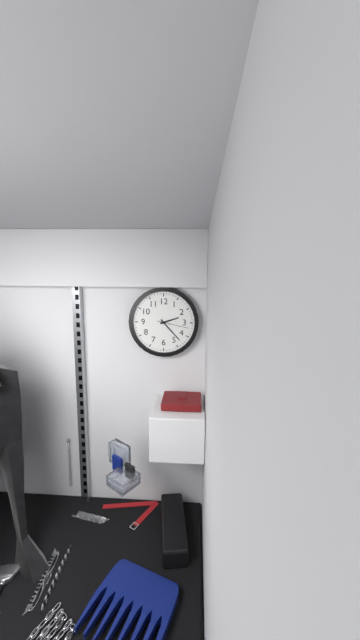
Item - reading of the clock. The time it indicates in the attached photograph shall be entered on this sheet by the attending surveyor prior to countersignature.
2:23
